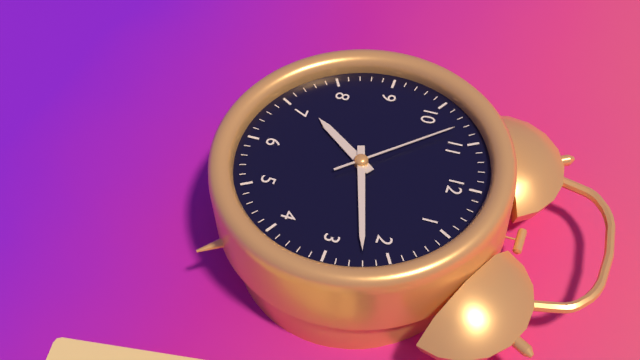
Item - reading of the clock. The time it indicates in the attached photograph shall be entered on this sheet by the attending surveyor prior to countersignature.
7:12:53
